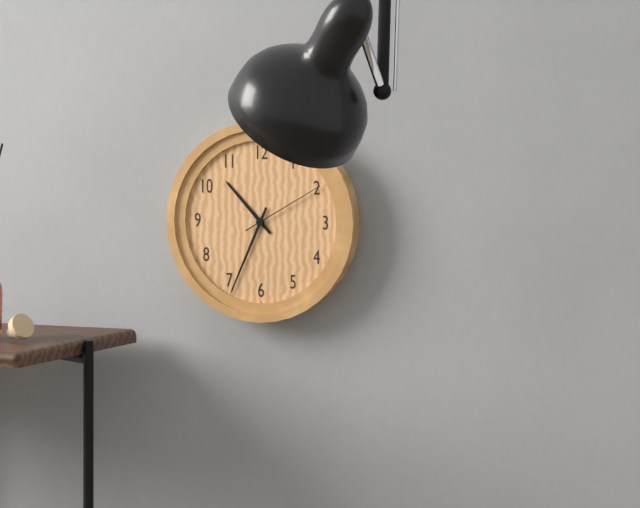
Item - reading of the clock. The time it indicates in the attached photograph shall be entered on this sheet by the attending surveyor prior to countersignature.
10:34:10
